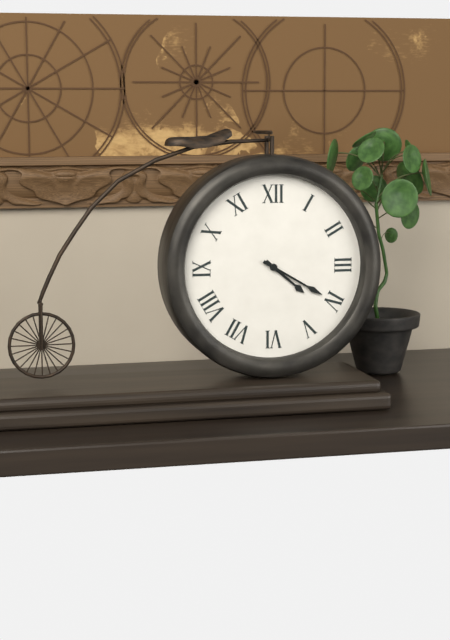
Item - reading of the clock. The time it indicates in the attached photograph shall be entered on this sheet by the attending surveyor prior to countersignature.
4:20
